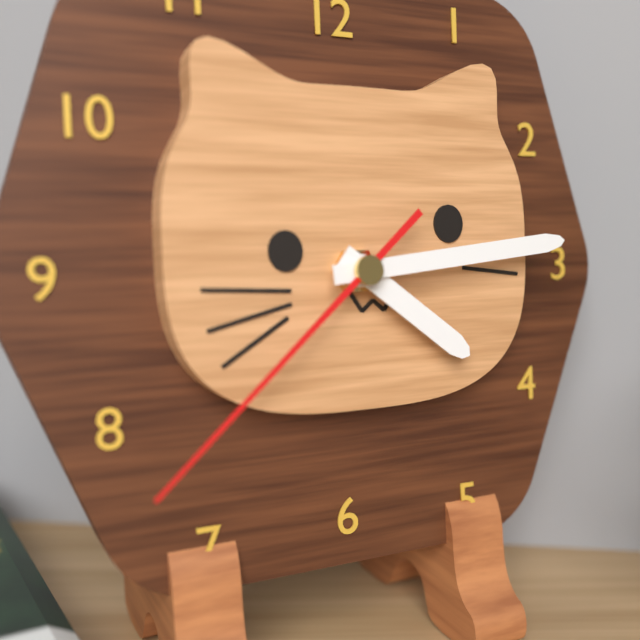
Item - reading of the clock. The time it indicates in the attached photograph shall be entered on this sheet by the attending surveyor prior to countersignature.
4:14:38
